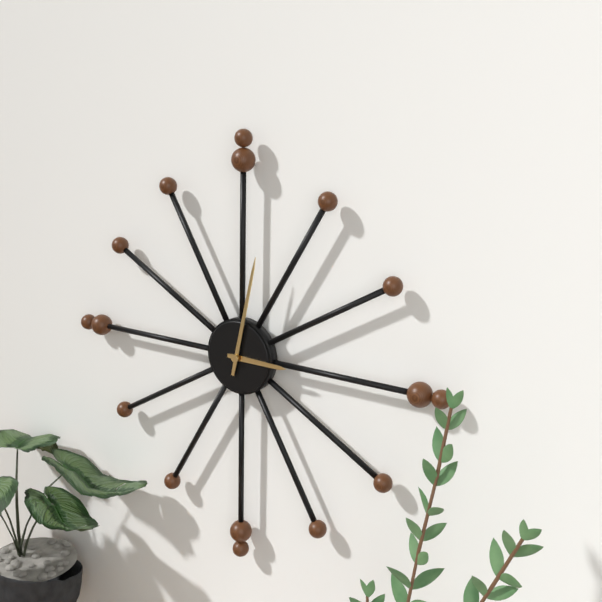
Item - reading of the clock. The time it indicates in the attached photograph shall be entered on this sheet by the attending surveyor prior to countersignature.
3:02
